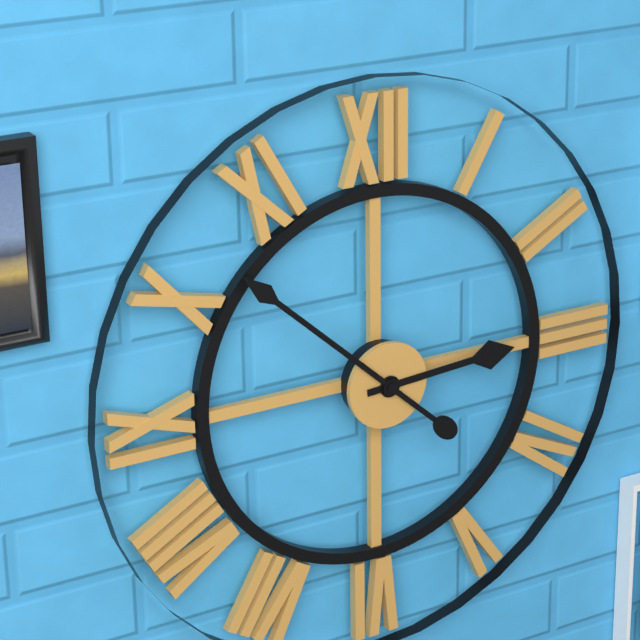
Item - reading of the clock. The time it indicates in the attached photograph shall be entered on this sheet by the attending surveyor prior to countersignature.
2:52
